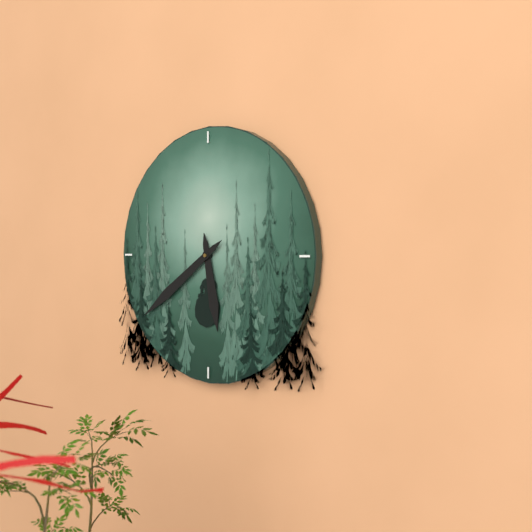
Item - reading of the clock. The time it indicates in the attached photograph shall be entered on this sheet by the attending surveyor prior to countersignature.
5:39
